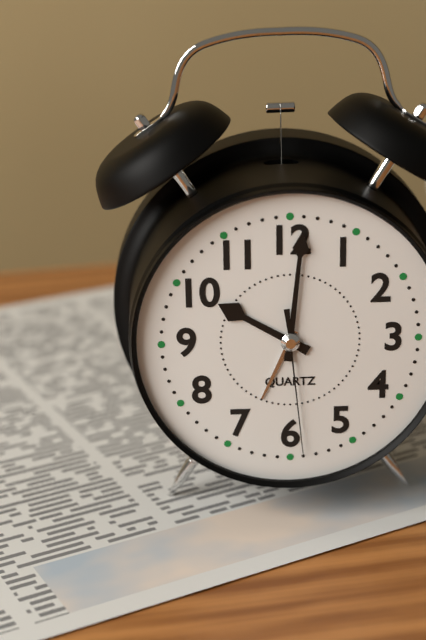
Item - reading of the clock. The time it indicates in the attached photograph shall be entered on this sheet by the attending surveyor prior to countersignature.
10:01:29
